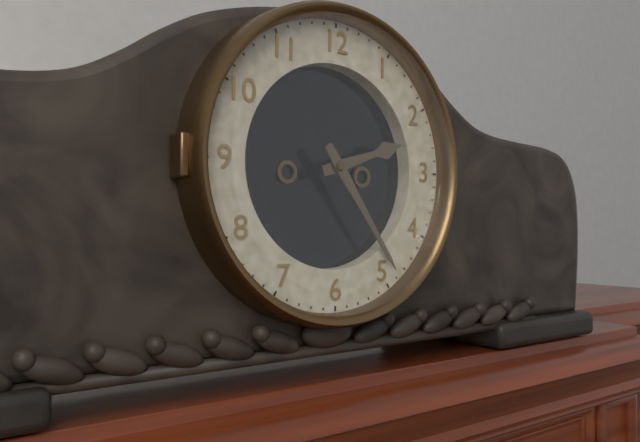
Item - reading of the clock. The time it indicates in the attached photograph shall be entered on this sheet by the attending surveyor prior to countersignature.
2:24
